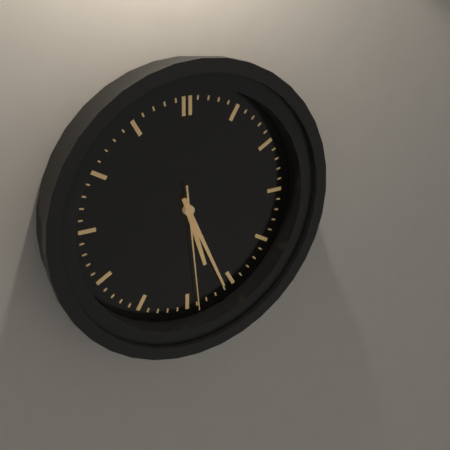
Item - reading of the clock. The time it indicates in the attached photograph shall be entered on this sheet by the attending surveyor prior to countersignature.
5:26:29
